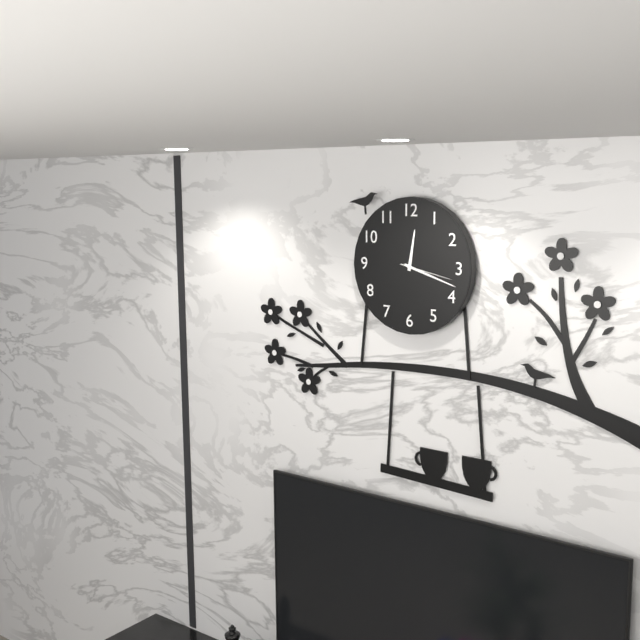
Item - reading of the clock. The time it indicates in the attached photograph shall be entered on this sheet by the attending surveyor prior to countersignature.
12:18:17
